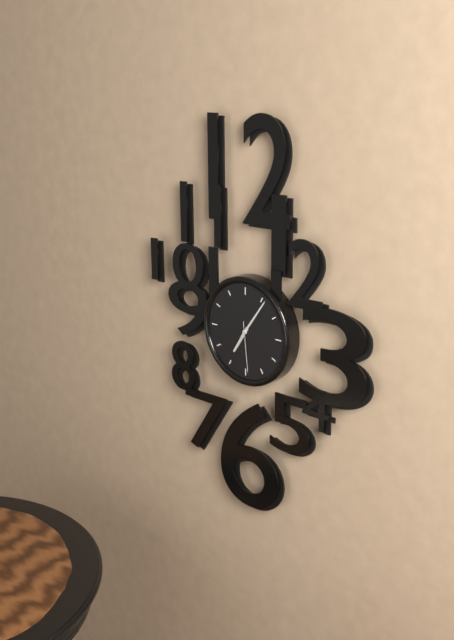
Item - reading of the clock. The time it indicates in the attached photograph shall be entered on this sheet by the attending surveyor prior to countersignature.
7:06:29
